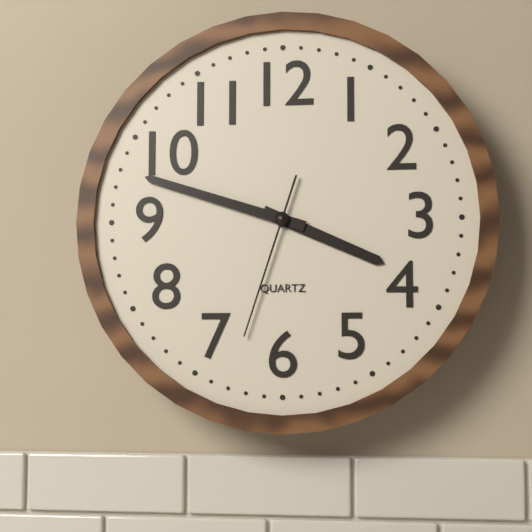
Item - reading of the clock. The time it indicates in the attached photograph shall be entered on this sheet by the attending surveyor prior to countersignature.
3:48:33
